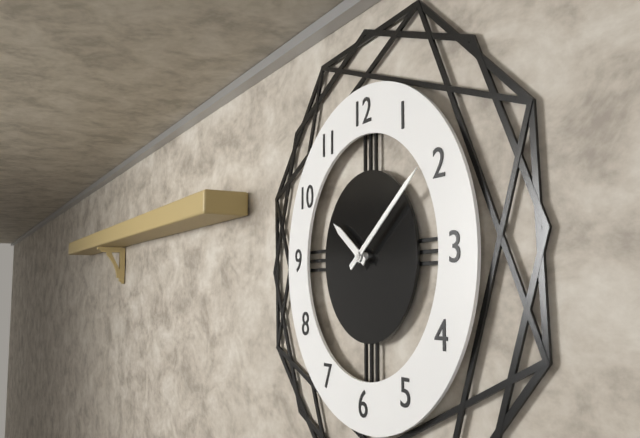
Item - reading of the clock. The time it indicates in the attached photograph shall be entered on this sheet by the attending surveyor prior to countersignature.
10:09
